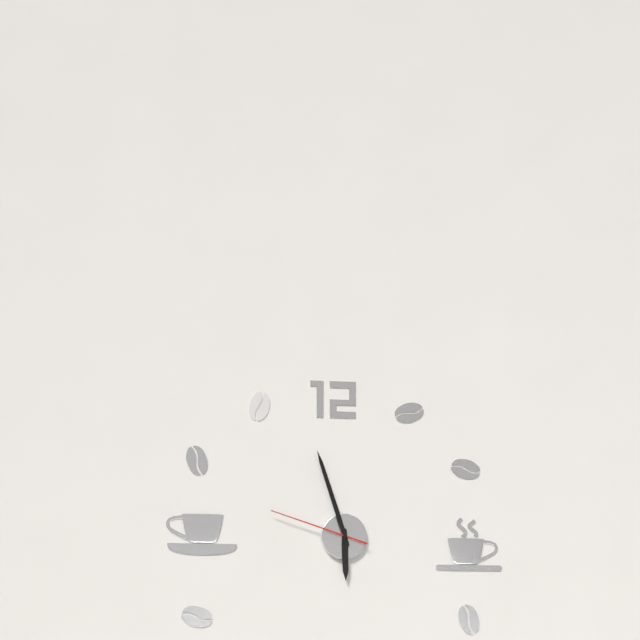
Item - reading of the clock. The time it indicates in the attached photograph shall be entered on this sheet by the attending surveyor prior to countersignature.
5:57:48
